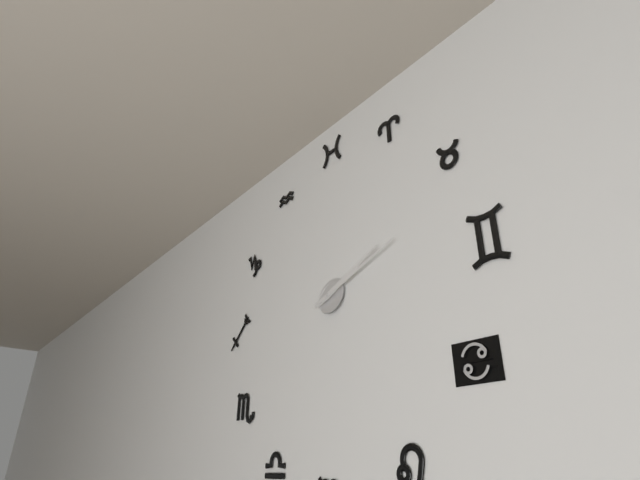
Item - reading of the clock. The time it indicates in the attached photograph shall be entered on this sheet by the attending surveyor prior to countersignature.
2:12
